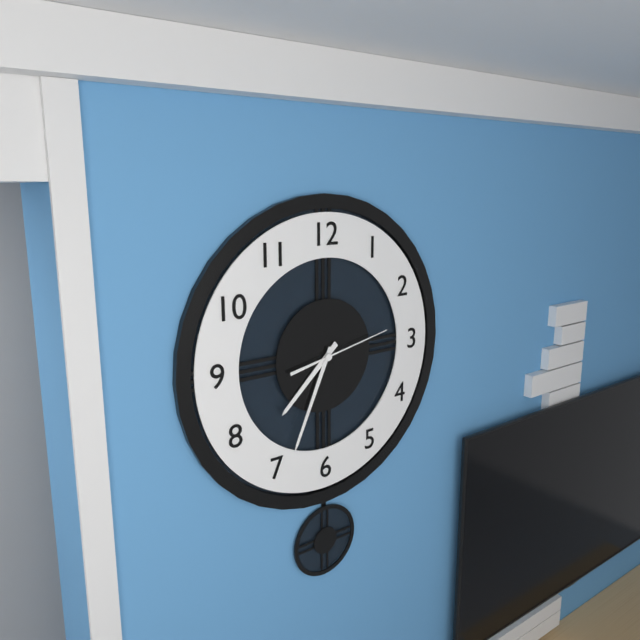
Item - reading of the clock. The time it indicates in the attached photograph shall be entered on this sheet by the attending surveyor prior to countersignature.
7:34:13
